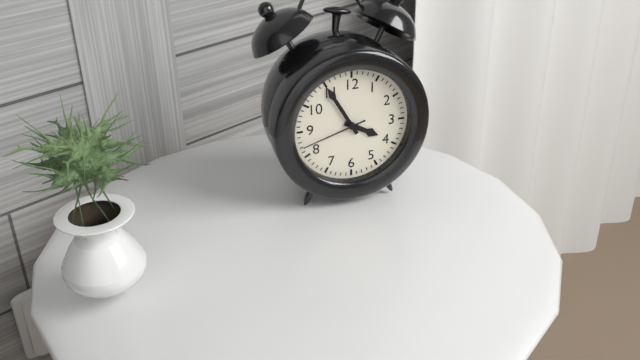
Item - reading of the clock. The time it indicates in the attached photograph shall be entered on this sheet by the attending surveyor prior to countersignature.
3:55:42
